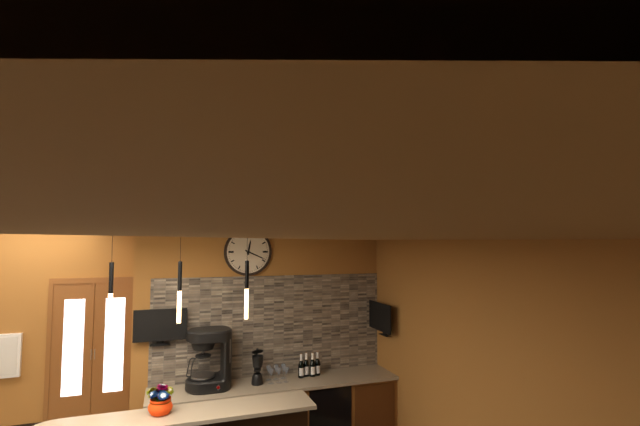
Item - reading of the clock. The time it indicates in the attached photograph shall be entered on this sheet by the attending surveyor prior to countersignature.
12:19
